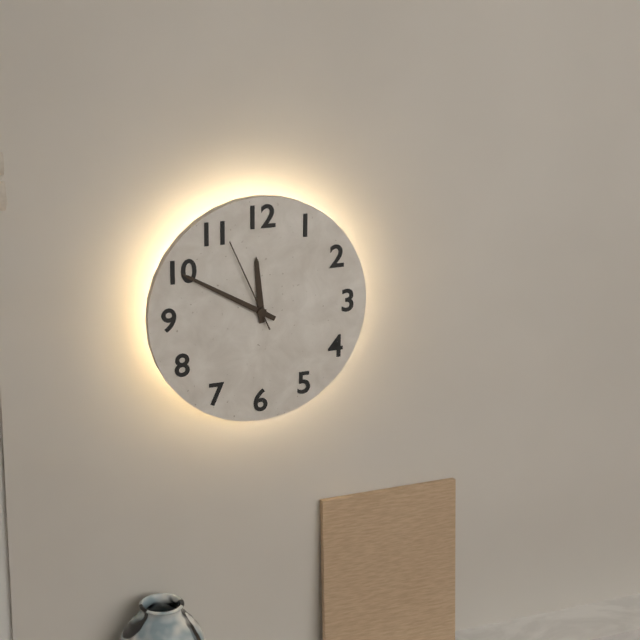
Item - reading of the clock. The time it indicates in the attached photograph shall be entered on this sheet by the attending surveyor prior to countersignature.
11:50:56
